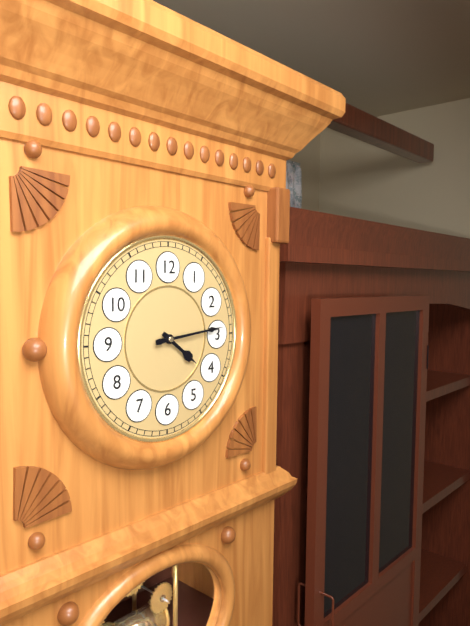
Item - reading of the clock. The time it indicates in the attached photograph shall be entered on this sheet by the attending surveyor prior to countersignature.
4:14
